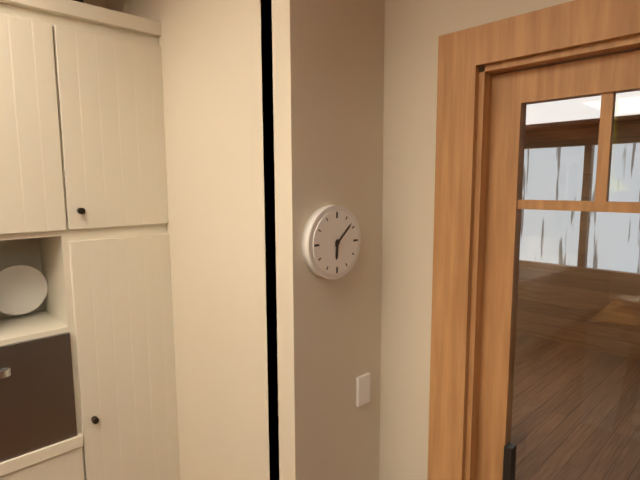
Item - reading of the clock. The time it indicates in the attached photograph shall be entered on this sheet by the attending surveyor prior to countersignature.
6:08
